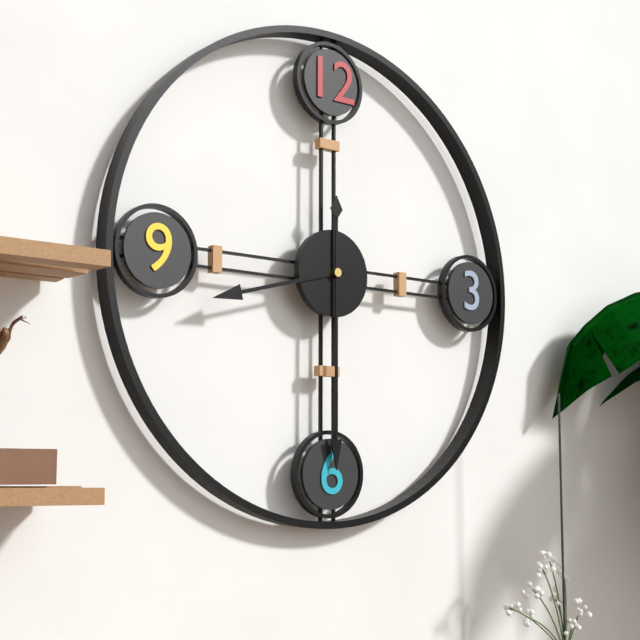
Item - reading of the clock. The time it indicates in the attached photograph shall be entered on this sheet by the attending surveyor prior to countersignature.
8:30
